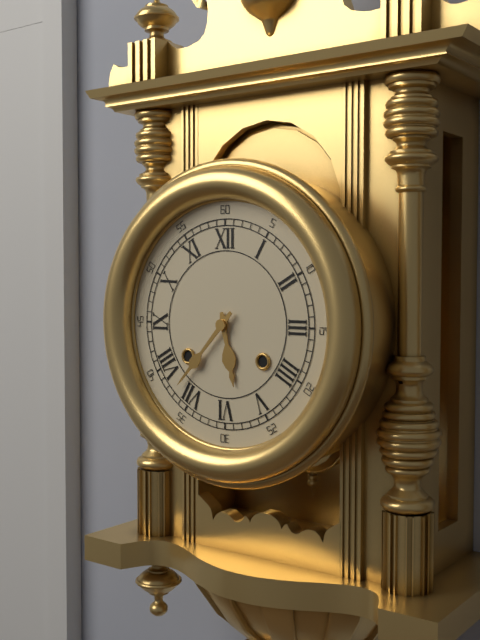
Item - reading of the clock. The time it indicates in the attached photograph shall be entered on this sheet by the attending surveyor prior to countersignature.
5:37
